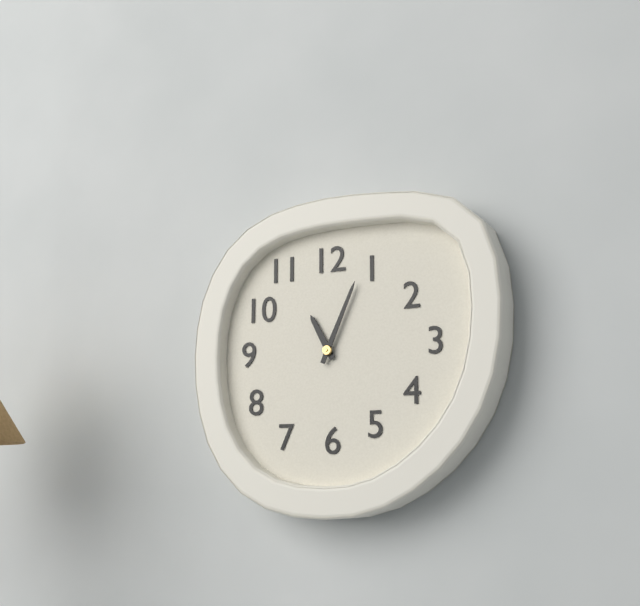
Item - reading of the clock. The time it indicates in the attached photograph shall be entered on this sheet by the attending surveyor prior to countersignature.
11:04
